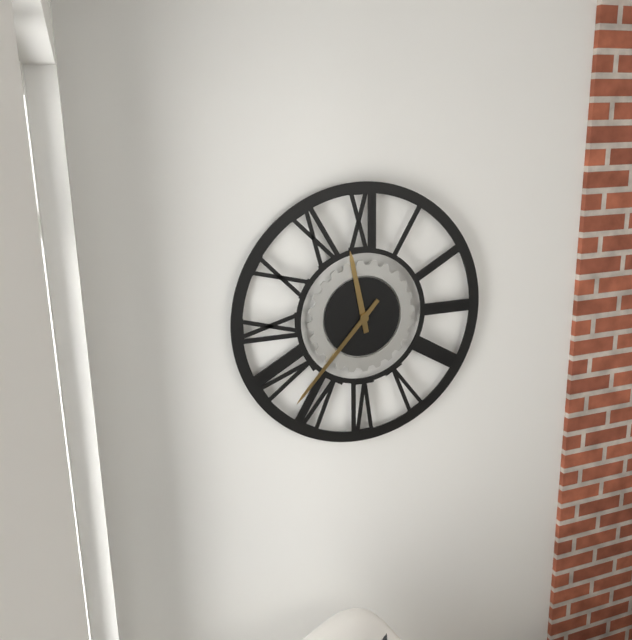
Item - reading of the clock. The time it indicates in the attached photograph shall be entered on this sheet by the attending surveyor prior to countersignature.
11:37
